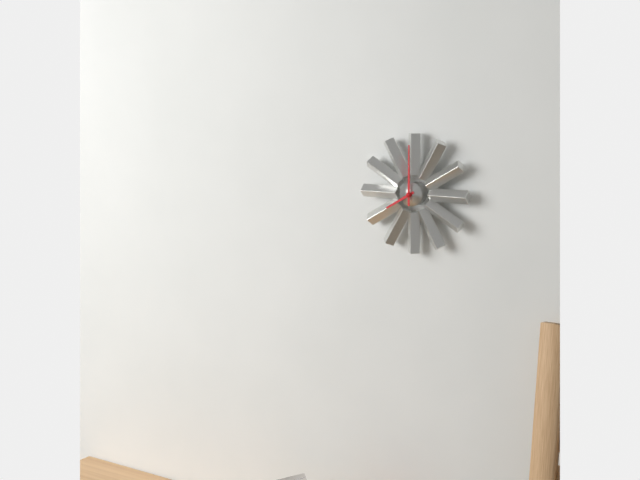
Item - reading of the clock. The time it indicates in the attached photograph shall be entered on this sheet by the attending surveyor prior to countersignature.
8:00
